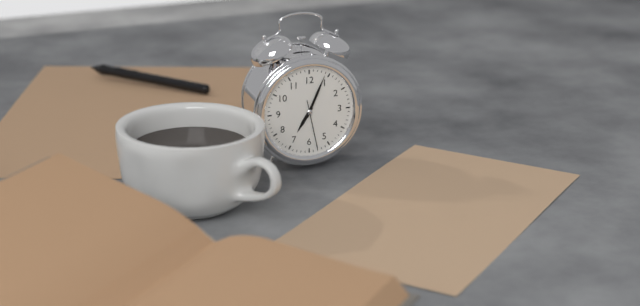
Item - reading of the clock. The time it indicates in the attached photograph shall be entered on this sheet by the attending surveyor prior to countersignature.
7:04
